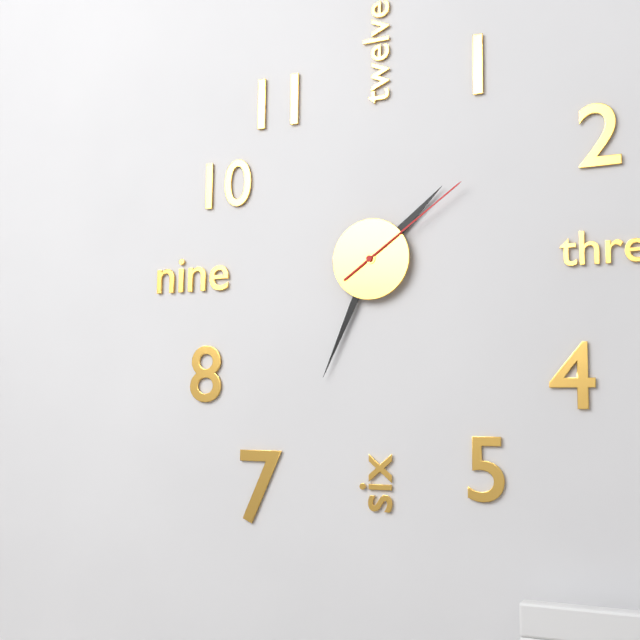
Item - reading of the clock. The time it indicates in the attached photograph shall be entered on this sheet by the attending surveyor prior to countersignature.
1:34:09
